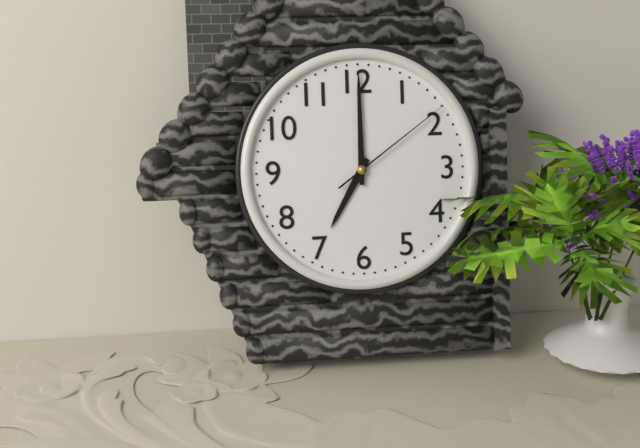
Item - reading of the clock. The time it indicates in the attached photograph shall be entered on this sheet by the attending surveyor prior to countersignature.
7:00:09
